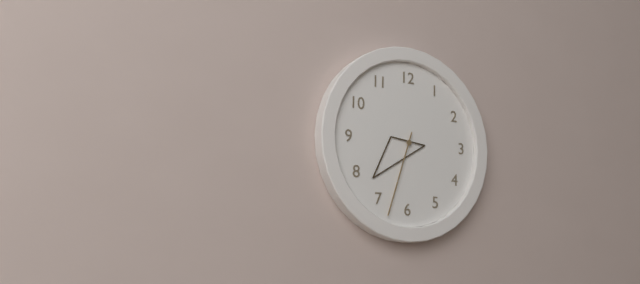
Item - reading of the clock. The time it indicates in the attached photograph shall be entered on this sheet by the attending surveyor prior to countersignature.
7:33
